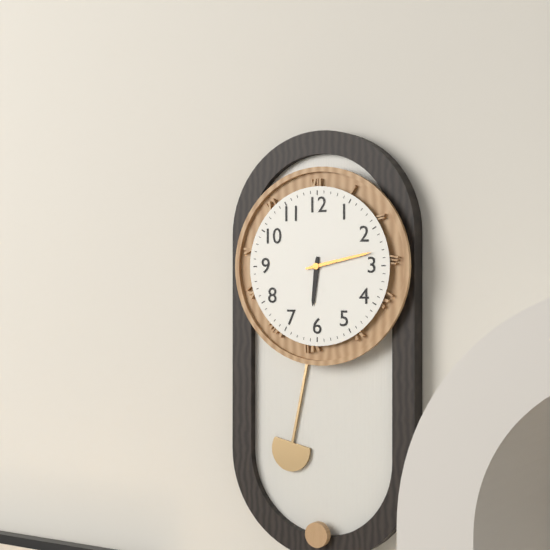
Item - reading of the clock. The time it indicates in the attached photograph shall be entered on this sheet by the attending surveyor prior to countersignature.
6:13
